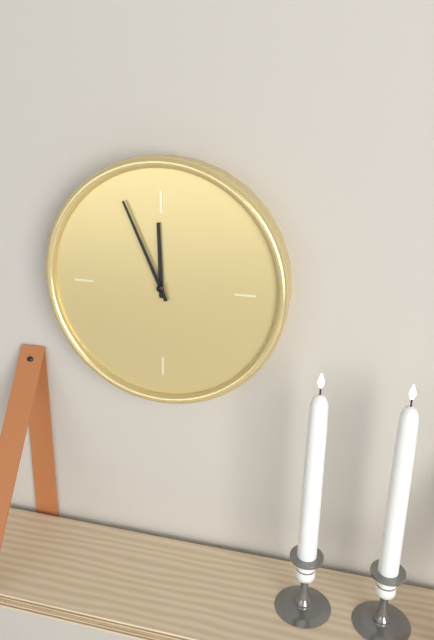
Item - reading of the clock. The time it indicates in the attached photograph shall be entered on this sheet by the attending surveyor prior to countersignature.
11:56
